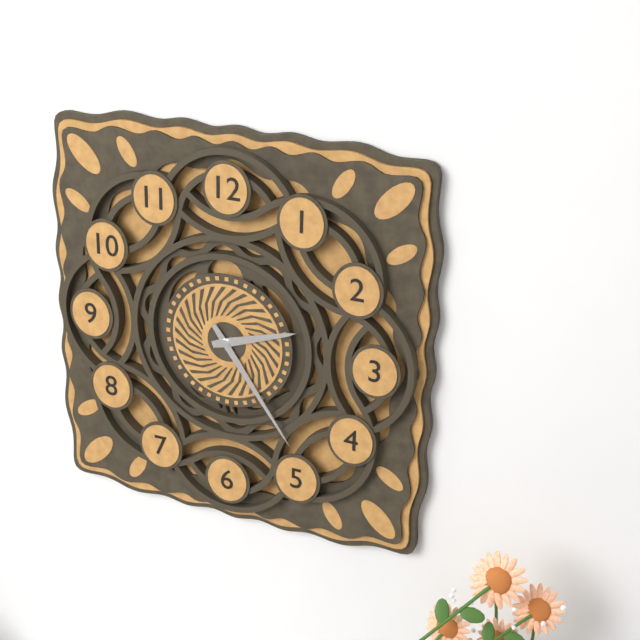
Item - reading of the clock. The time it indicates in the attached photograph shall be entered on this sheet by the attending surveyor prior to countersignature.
2:24
